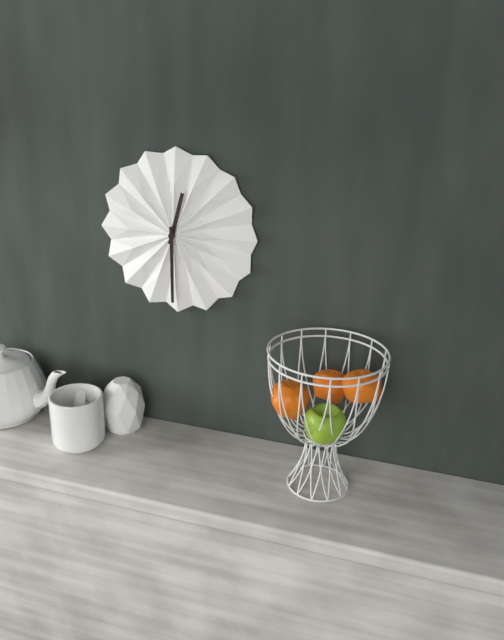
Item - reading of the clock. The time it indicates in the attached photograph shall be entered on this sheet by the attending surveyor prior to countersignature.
12:30
